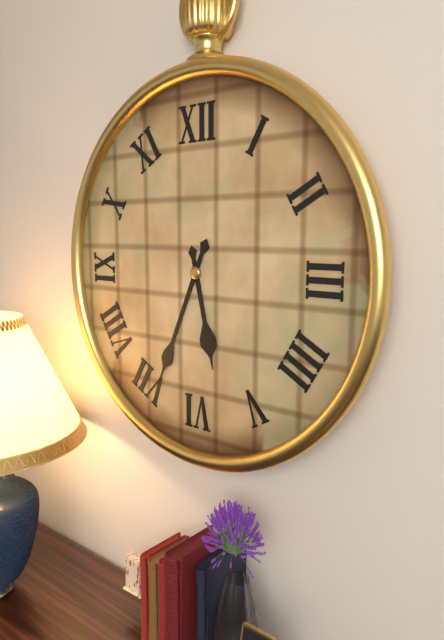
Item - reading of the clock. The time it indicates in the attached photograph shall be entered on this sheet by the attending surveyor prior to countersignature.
5:34
